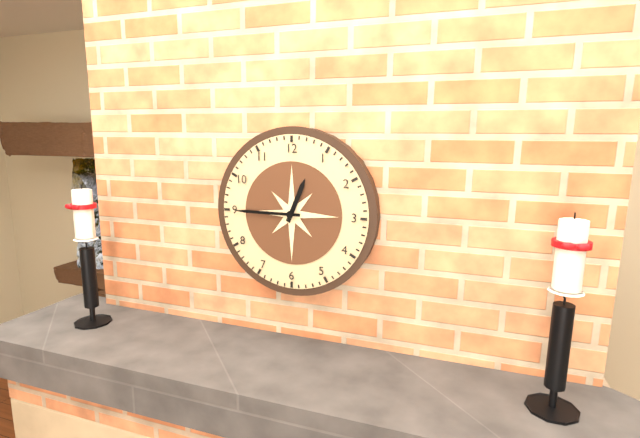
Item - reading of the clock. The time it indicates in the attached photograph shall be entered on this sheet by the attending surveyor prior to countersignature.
12:45
